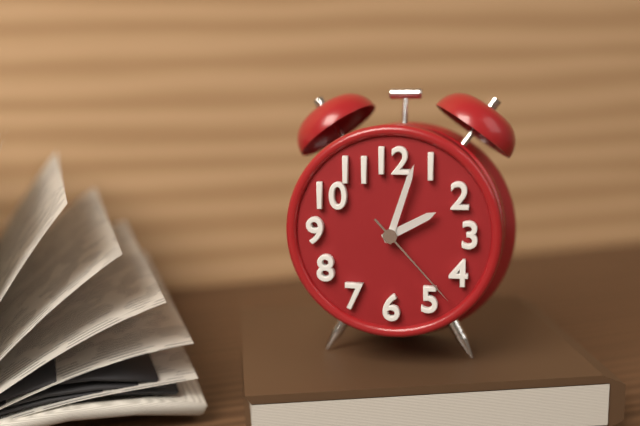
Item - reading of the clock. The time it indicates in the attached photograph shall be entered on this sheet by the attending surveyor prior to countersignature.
2:03:23
